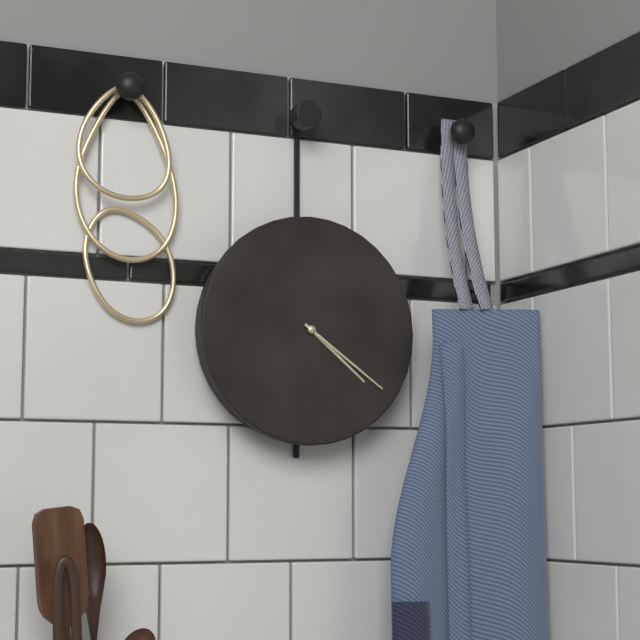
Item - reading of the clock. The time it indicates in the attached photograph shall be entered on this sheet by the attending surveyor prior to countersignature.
4:21
